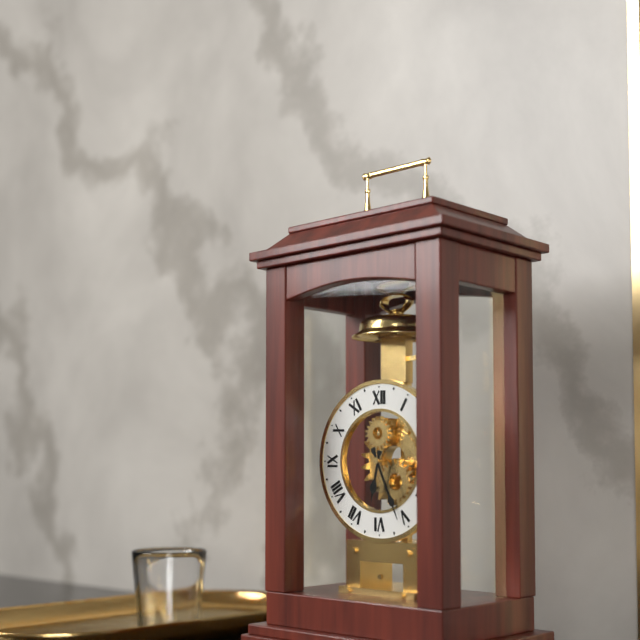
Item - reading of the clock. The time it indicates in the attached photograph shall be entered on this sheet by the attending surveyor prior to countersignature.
6:26
